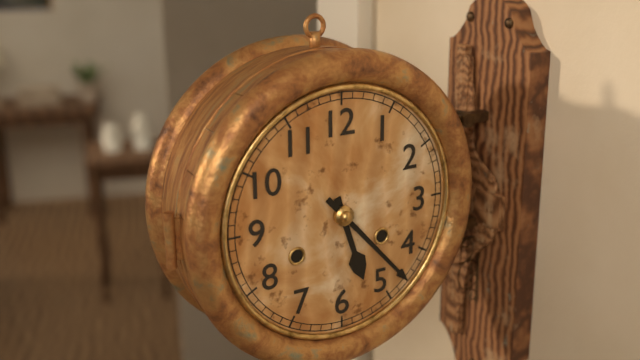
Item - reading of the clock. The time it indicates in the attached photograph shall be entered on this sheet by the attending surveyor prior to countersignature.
5:23
